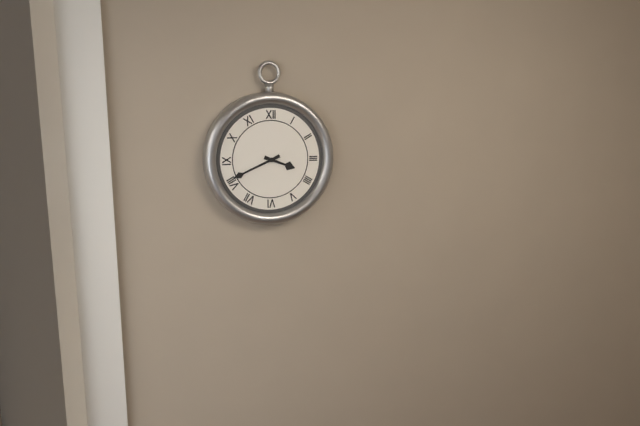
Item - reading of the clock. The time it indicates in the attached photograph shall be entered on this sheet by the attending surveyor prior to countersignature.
3:41
